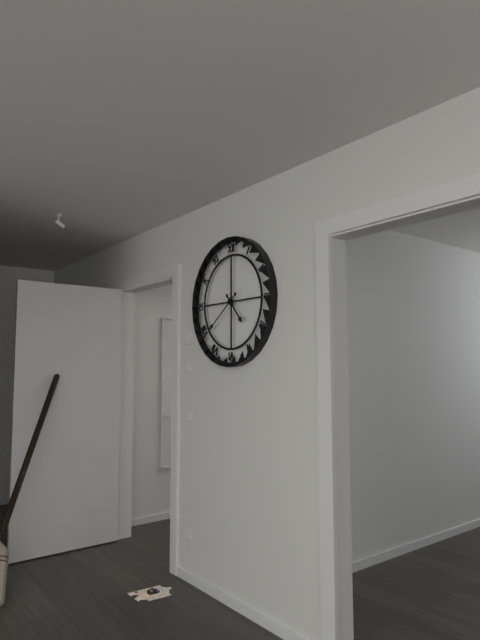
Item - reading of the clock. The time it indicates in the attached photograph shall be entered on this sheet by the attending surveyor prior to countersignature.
4:39
